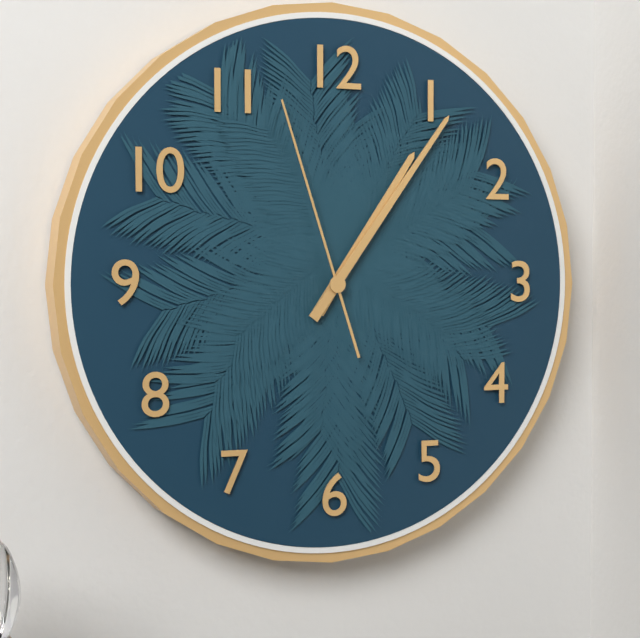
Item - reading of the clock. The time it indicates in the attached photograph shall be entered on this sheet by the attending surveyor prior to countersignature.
1:06:57
